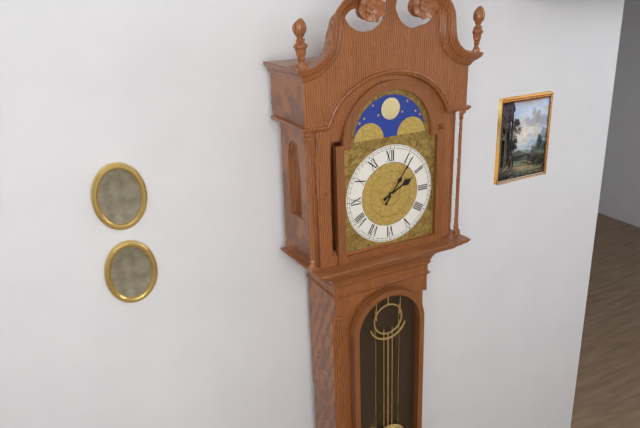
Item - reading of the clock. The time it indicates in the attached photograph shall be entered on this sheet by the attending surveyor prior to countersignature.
2:06
